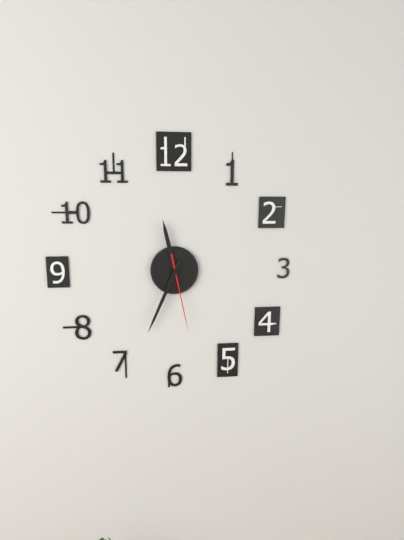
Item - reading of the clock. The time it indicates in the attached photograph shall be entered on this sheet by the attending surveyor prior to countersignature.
11:34:28
